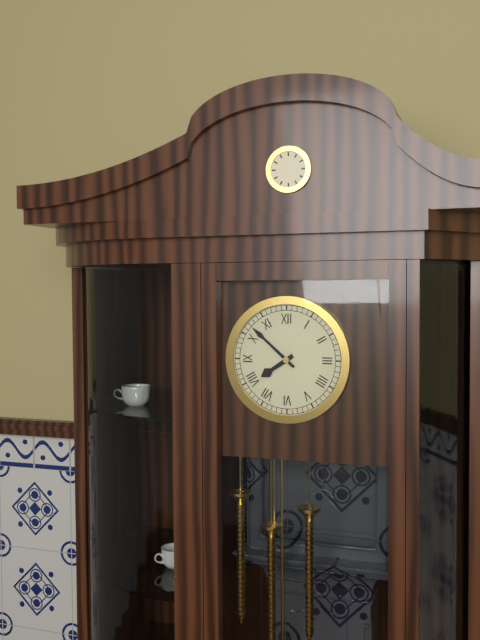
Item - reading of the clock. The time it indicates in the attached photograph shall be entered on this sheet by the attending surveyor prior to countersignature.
7:52
